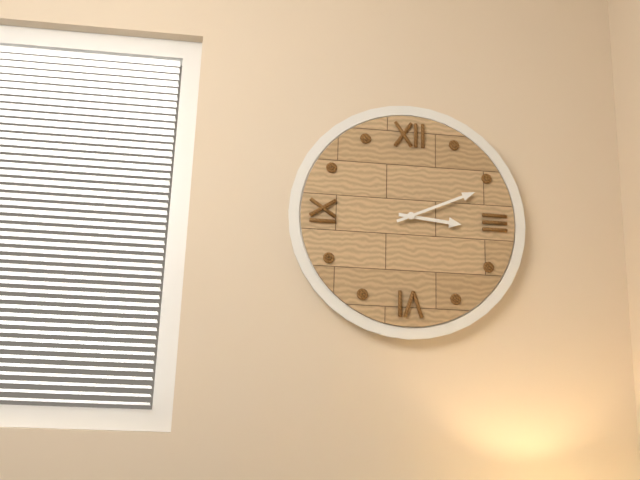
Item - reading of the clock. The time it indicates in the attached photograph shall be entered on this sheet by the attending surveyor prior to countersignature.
3:11
